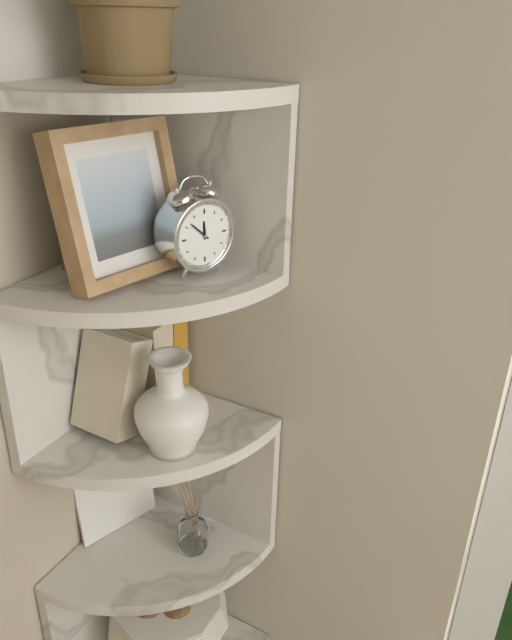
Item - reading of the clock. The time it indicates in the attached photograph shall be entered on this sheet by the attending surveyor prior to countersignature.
11:52
